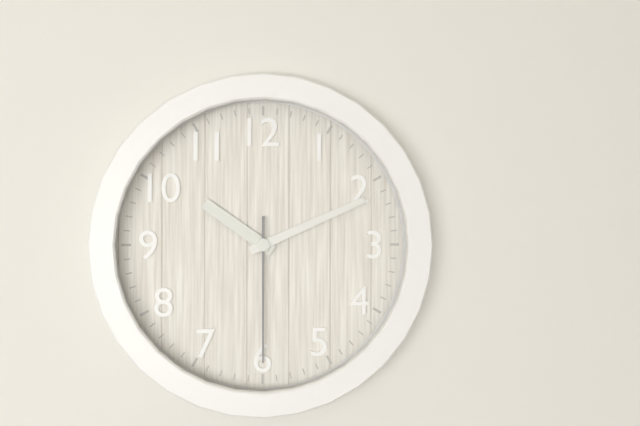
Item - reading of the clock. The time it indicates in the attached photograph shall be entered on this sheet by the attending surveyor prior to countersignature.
10:11:30
